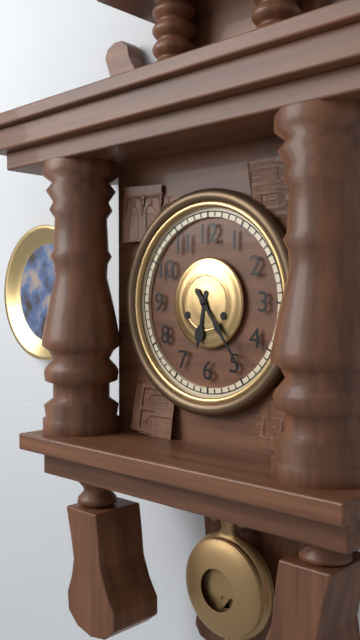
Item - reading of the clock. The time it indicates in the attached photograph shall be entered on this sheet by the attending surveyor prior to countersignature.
6:24
